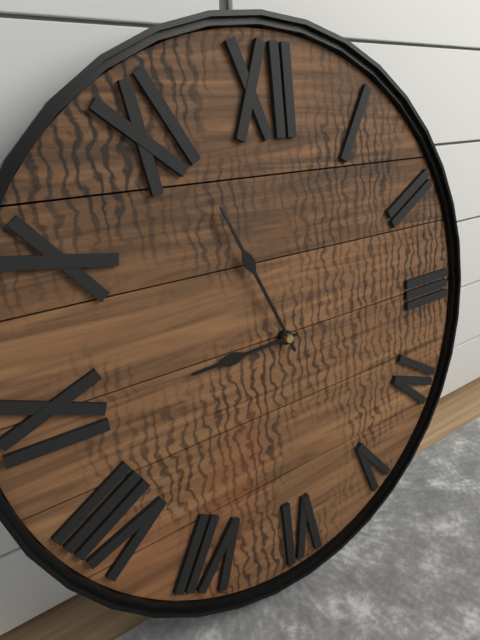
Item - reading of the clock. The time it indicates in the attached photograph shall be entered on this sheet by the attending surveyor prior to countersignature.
8:56
